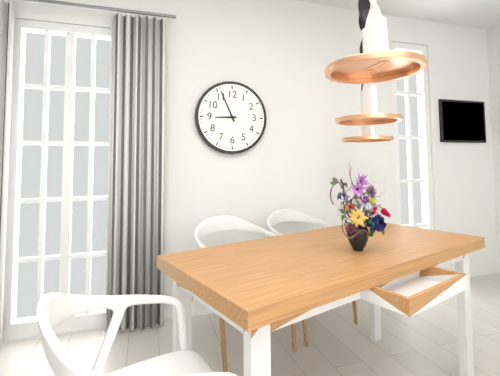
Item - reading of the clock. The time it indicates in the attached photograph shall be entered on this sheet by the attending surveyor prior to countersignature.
8:56
